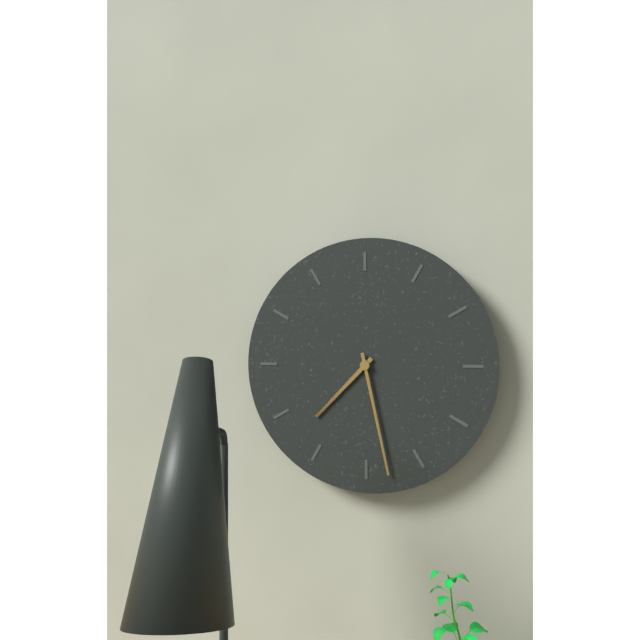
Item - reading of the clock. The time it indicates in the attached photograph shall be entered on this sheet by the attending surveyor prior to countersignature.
7:28
